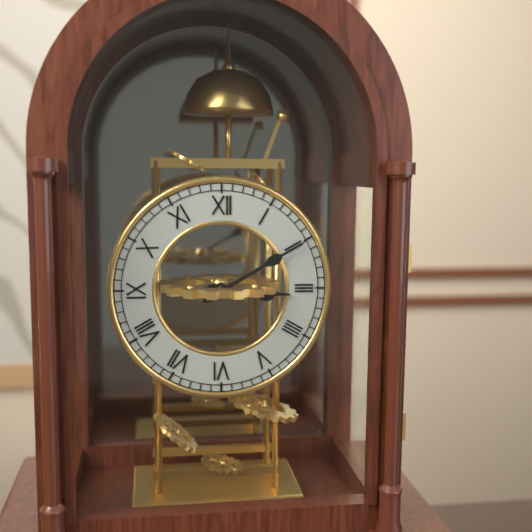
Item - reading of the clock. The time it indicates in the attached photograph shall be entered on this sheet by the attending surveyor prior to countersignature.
3:10
